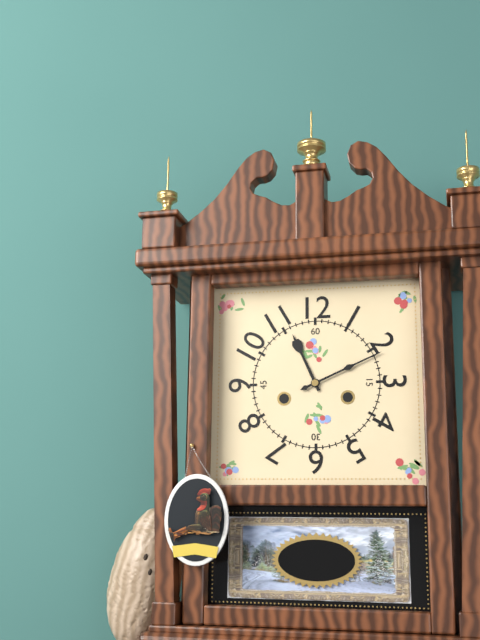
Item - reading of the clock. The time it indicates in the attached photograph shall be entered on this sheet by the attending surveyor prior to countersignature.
11:11
